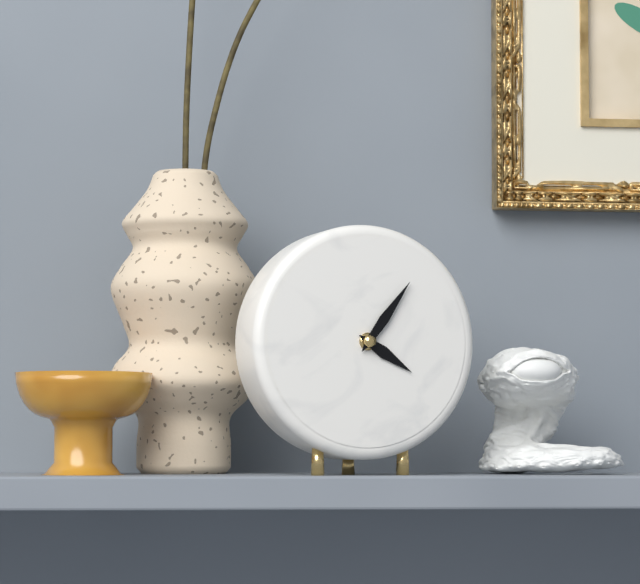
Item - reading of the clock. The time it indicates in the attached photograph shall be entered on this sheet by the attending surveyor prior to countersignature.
4:06
